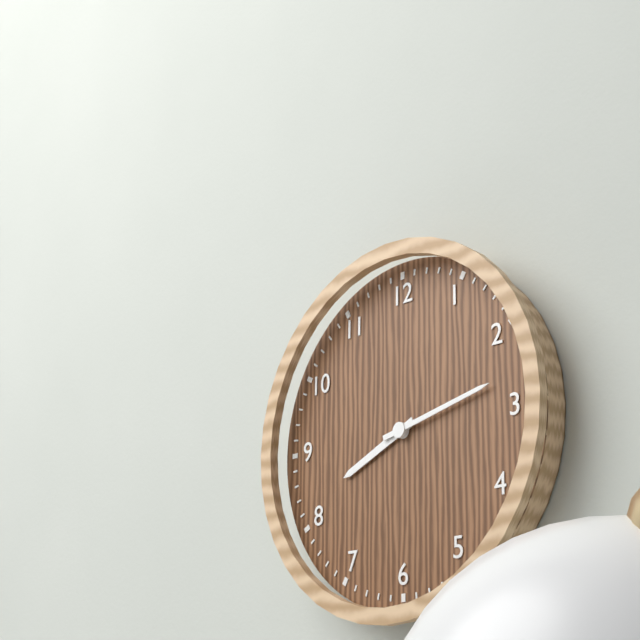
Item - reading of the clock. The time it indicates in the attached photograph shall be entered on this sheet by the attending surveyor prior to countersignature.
8:13
